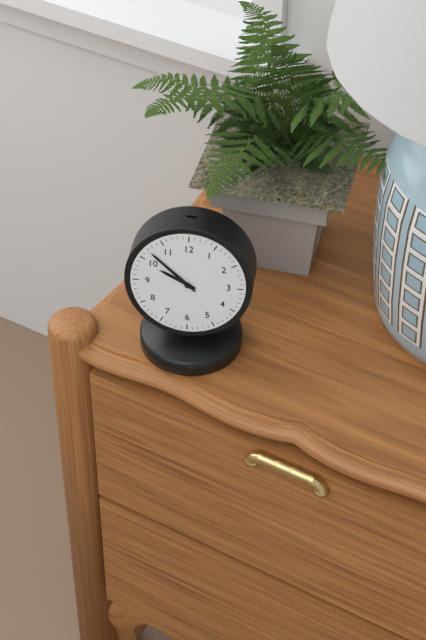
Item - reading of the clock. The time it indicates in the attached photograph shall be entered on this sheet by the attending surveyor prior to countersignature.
9:52
